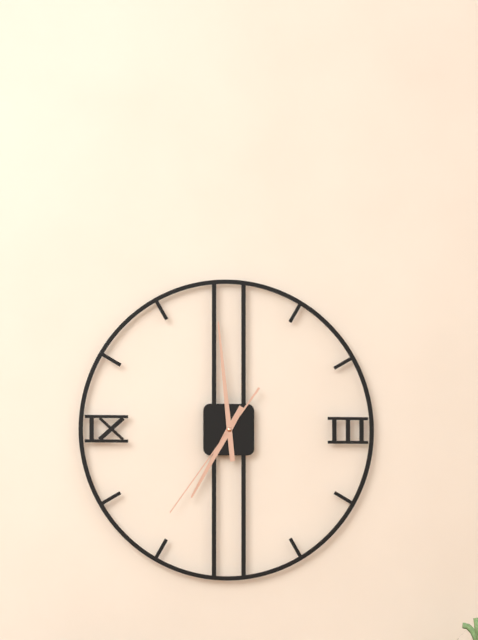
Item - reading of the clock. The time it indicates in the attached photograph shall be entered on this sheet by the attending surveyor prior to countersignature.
6:59:36
